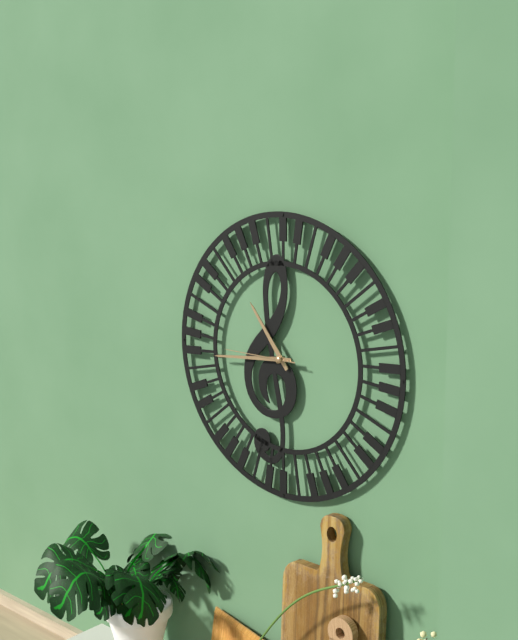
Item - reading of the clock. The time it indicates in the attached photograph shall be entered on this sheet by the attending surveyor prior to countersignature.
10:44:45
